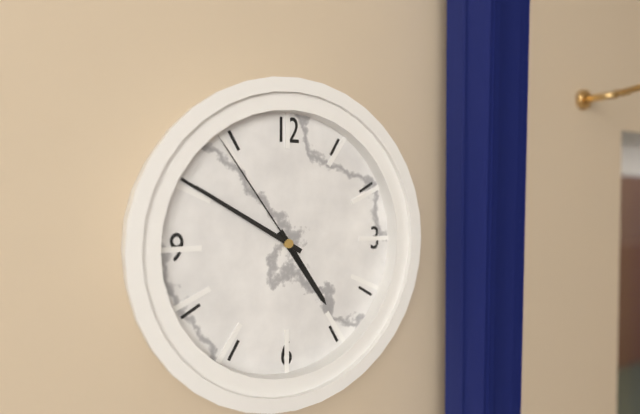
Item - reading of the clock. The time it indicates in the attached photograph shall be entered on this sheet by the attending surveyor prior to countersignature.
4:50:54
